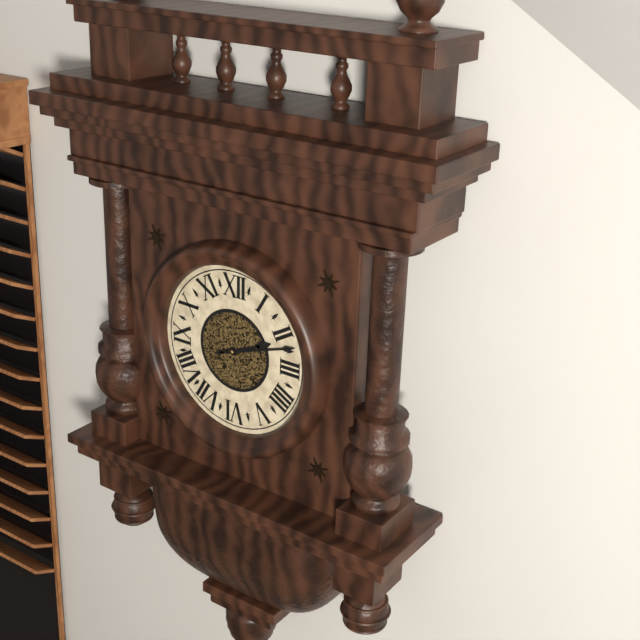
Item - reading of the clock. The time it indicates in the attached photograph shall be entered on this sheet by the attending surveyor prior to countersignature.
2:12
